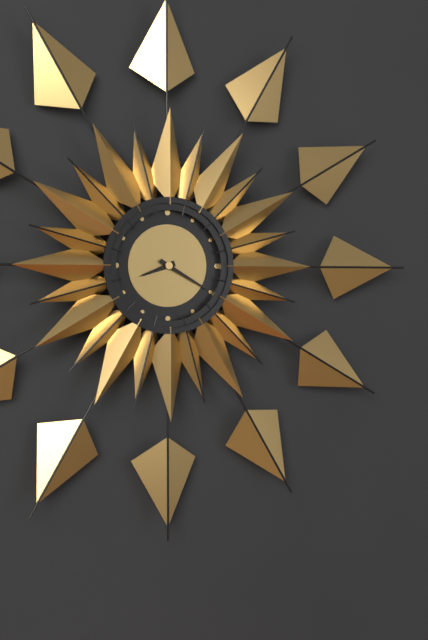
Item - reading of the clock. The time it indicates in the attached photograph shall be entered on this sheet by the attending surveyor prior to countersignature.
8:20
